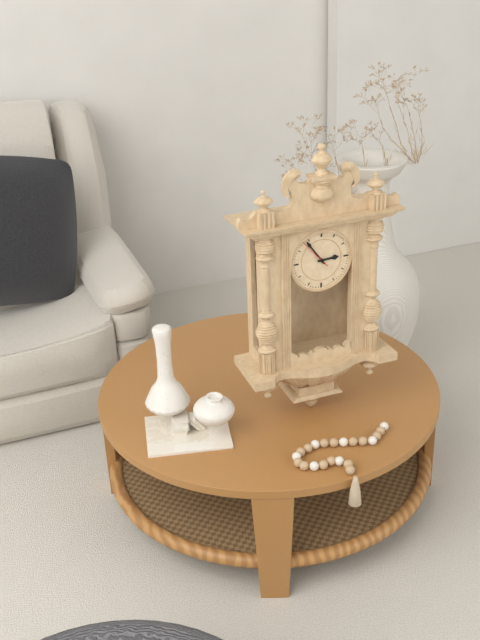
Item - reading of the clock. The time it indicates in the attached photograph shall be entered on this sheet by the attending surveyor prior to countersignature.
2:54
